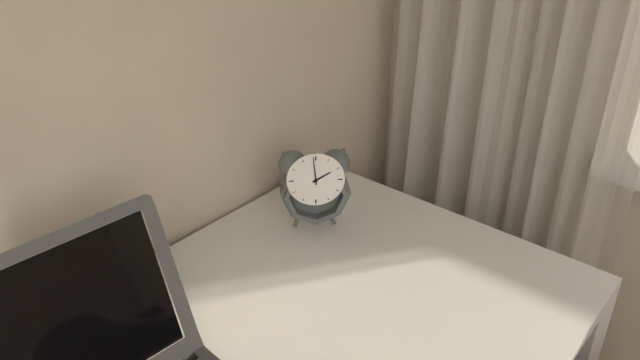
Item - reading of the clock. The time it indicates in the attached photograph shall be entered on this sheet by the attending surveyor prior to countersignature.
1:59
